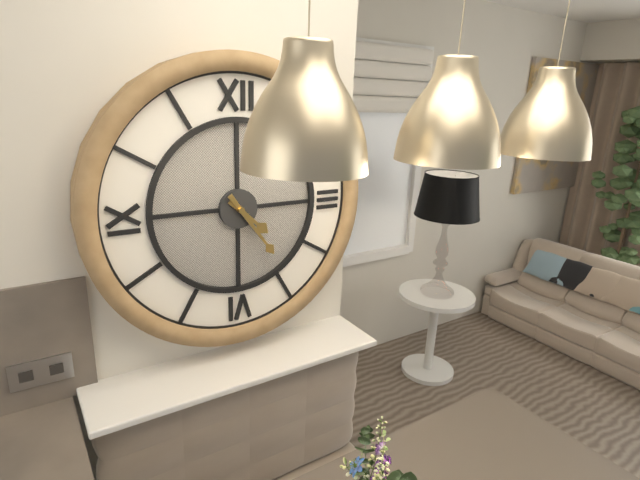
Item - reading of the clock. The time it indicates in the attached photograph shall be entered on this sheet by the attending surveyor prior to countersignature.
4:24
